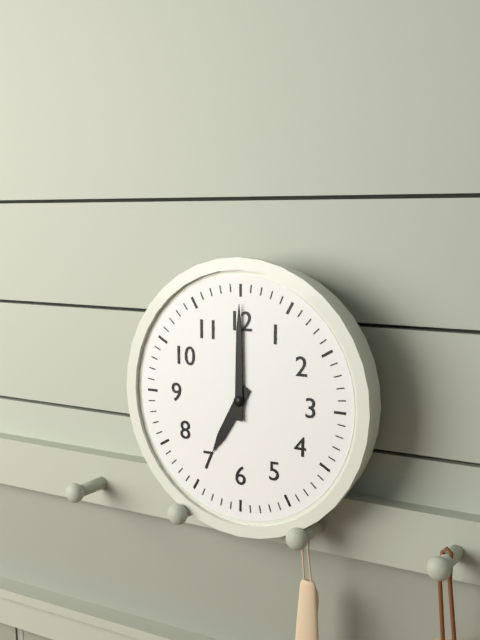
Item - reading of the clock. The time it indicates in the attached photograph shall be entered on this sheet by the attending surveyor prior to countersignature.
7:00
